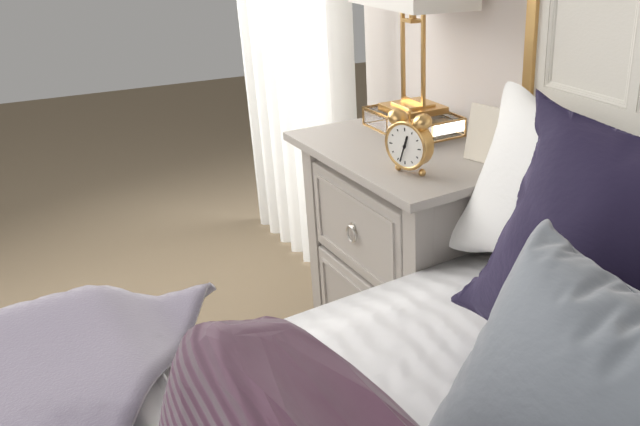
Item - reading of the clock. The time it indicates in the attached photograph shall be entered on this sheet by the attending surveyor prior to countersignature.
12:33
